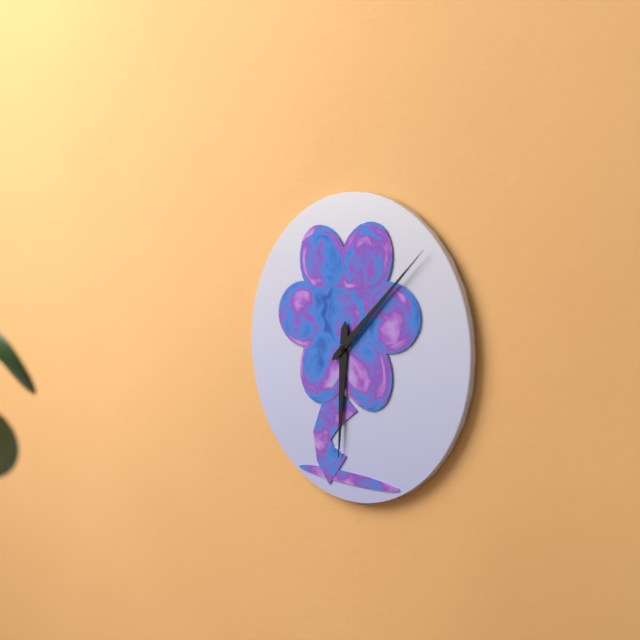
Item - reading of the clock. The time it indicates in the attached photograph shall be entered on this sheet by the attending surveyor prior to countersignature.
6:08
